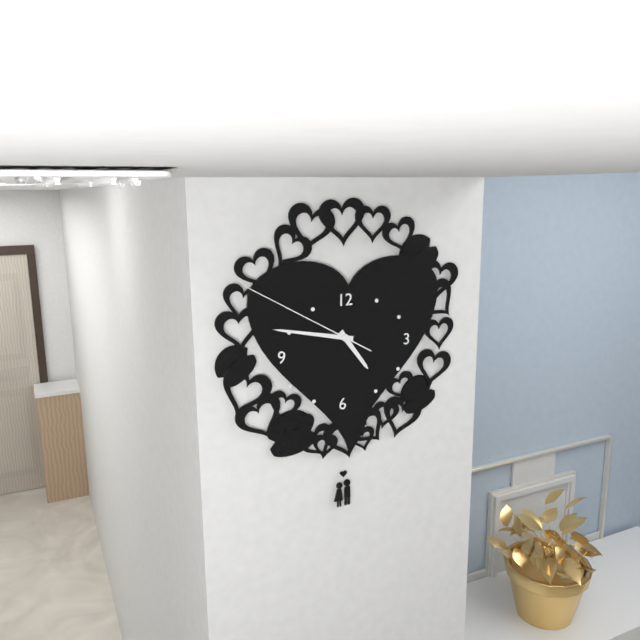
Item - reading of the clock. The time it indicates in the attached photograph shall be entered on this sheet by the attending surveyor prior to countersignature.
4:47:50
